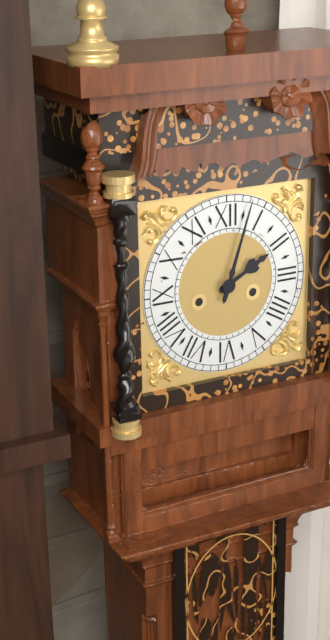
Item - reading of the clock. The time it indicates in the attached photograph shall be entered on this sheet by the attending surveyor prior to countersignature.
2:03
